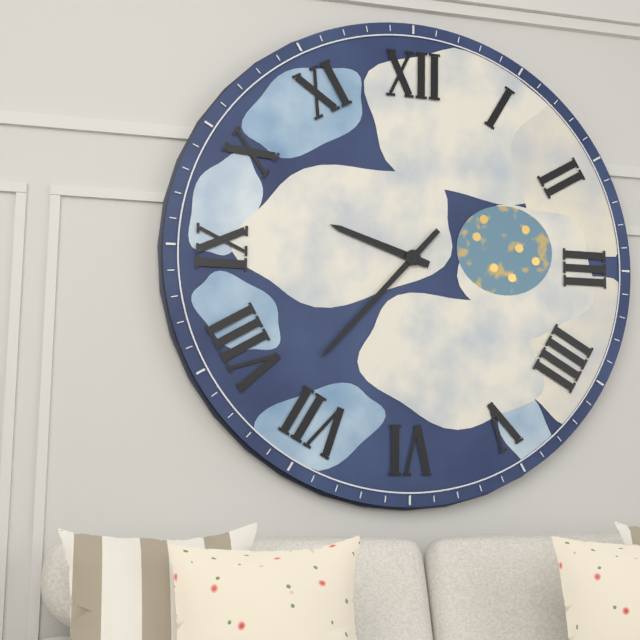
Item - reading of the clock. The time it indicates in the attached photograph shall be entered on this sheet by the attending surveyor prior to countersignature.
9:37
